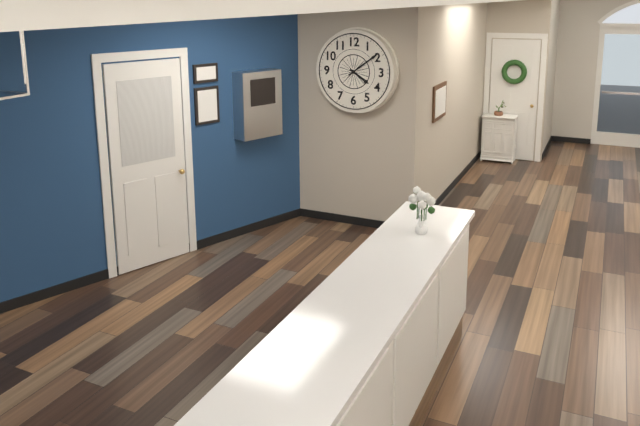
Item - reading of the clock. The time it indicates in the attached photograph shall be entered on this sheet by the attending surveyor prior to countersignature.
4:09
